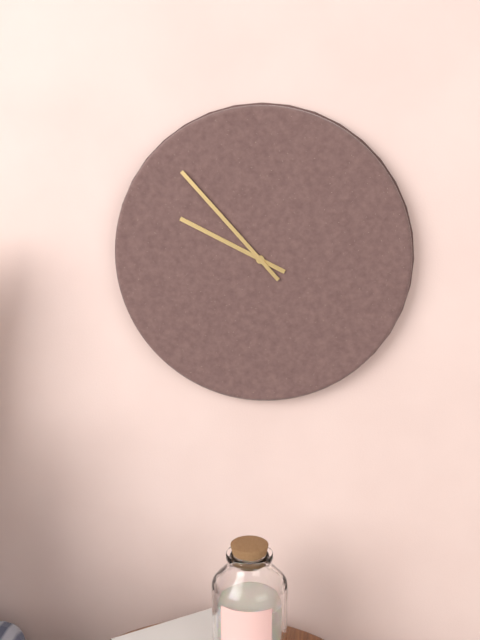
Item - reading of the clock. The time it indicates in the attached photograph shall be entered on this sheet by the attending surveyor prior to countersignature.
9:53
